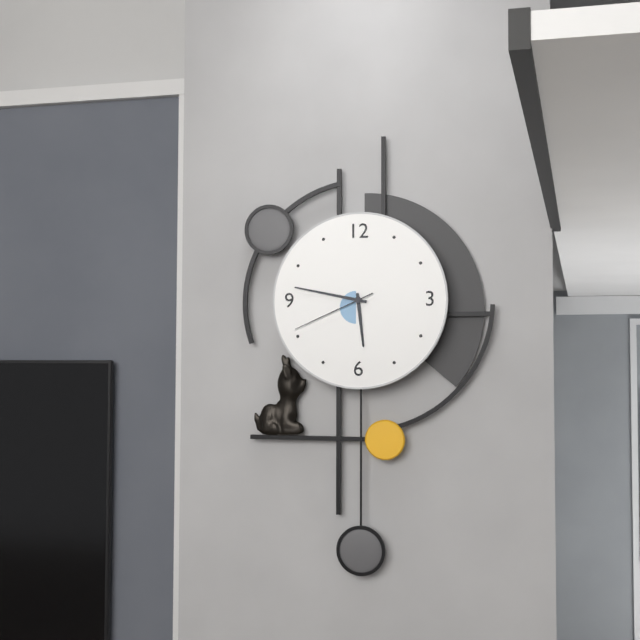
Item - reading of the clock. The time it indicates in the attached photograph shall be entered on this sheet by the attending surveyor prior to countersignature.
5:47:41
